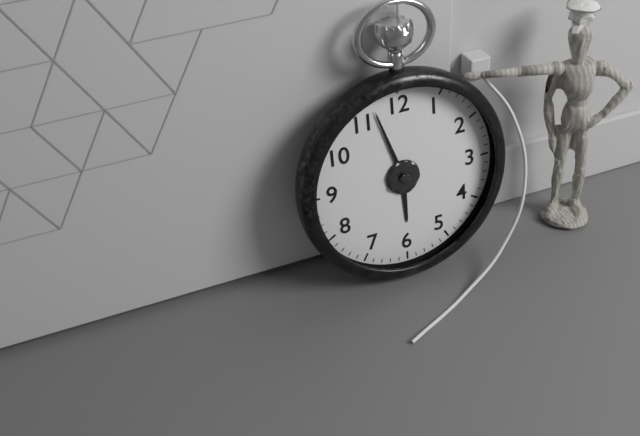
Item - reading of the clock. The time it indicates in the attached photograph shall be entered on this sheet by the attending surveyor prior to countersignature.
5:57
